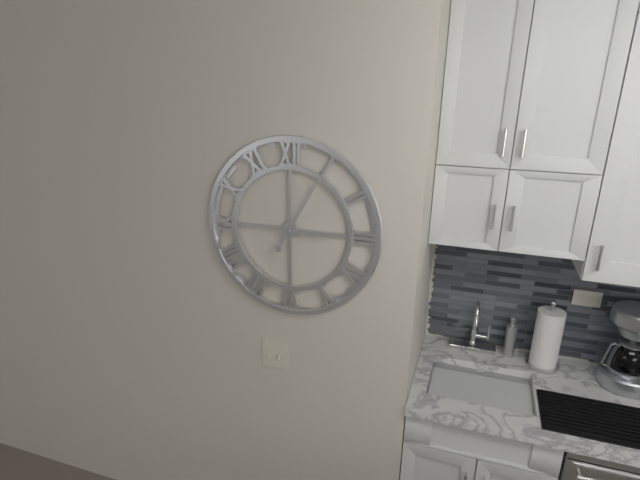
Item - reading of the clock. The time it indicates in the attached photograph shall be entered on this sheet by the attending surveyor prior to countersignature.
3:05
